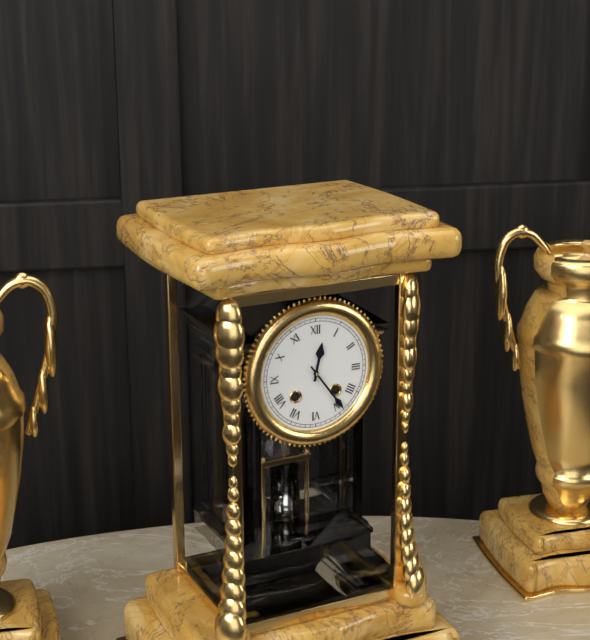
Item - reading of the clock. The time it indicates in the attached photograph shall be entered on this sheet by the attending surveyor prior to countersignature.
12:24
